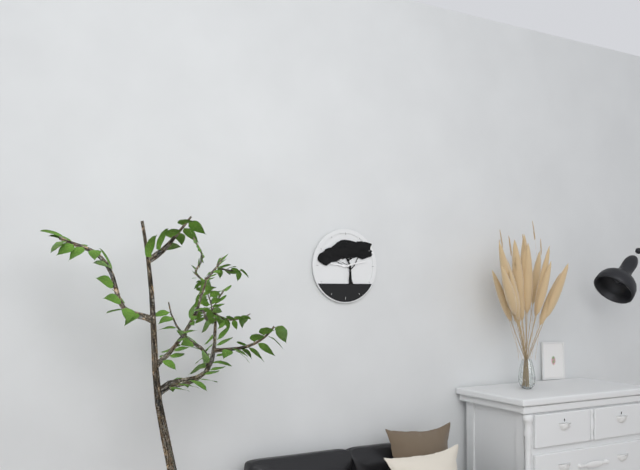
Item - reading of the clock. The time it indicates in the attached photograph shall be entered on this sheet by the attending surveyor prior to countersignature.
9:13
